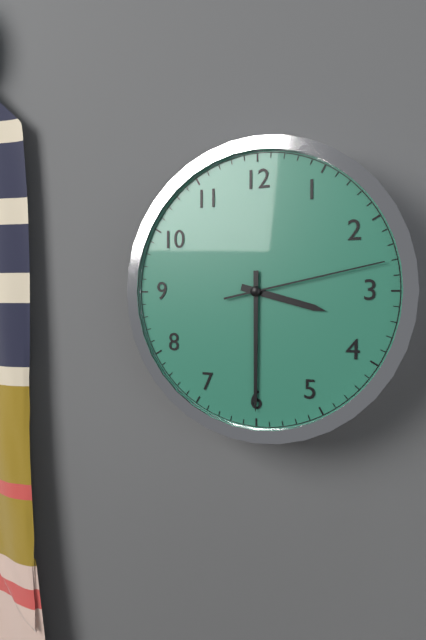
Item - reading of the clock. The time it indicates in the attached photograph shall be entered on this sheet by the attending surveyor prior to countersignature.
3:30:13
